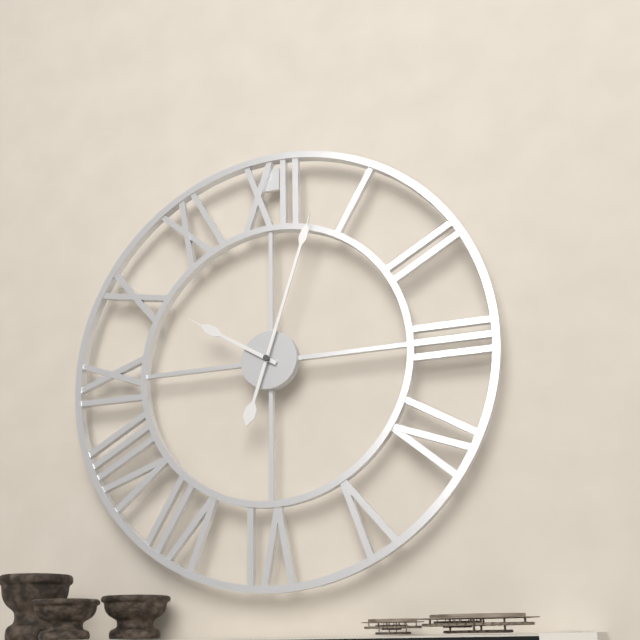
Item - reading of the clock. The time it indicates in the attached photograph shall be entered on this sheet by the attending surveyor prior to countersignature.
10:03
